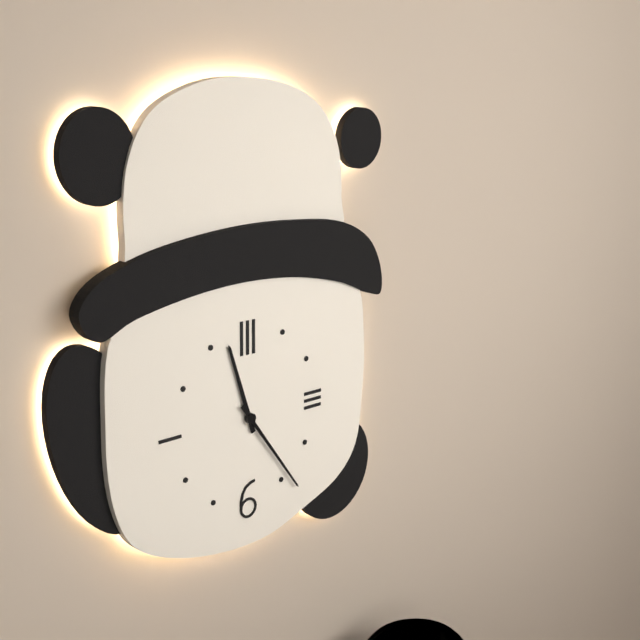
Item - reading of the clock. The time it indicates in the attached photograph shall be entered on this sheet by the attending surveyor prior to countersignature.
11:24
